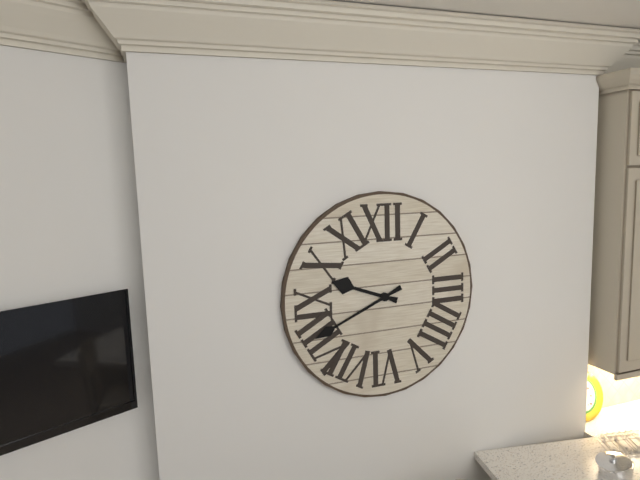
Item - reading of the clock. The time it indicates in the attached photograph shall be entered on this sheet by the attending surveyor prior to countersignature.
9:41
